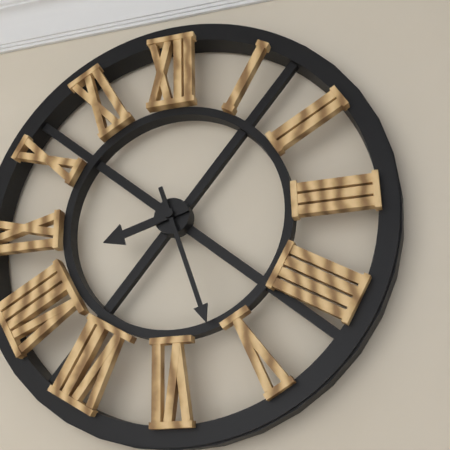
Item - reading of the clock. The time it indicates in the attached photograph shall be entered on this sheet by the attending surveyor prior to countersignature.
8:27
